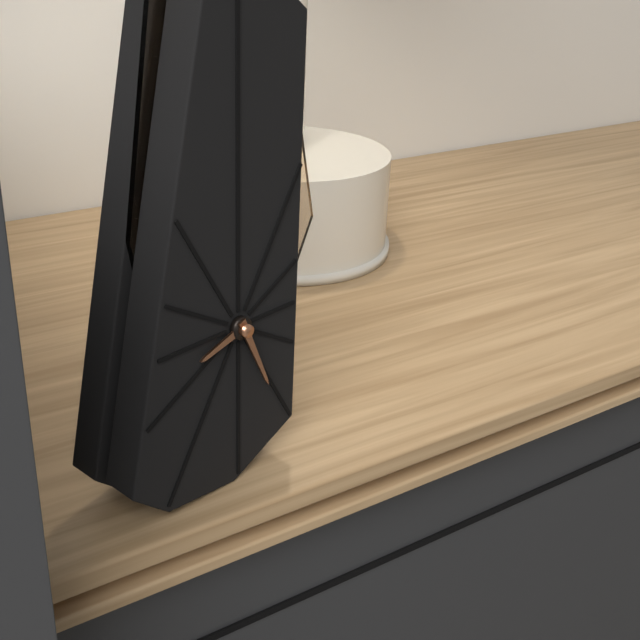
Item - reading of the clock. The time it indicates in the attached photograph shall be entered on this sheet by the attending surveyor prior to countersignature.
8:26
